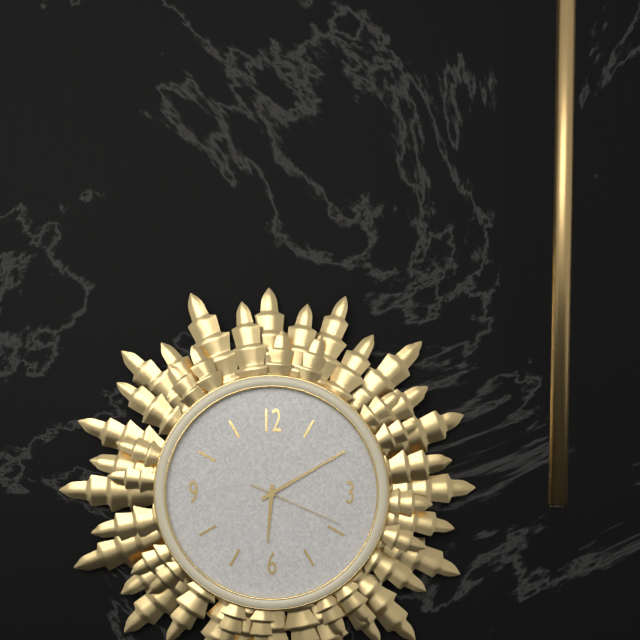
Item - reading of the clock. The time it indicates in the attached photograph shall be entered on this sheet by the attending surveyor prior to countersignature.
6:10:19
